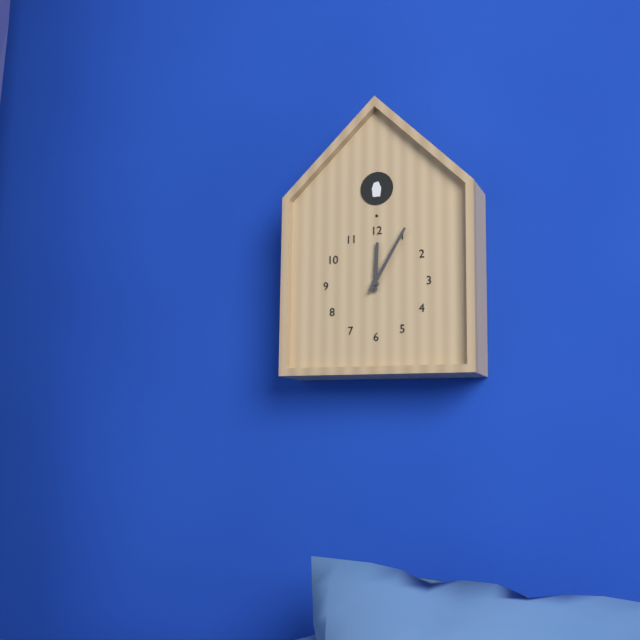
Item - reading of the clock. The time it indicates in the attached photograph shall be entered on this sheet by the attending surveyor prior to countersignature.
12:05
